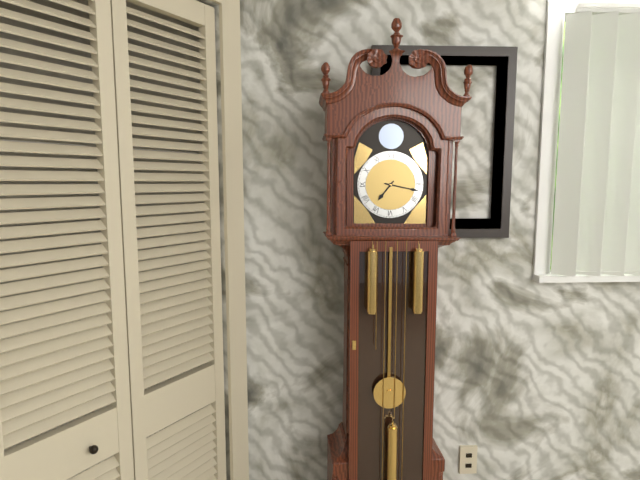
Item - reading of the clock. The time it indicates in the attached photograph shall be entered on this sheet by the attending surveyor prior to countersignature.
7:17
